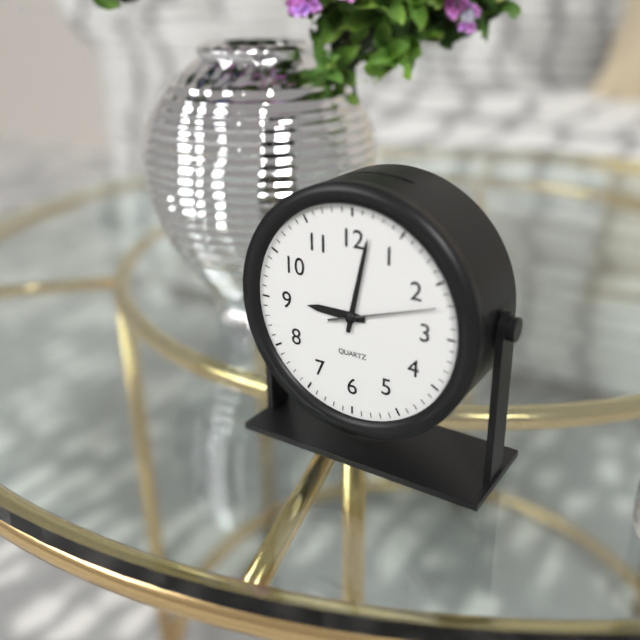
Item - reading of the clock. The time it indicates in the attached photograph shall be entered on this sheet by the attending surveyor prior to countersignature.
9:02:12
